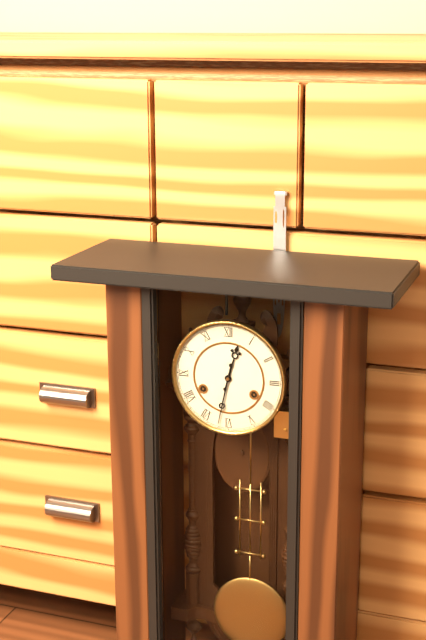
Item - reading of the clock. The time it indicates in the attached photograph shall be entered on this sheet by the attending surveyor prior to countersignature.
12:32
